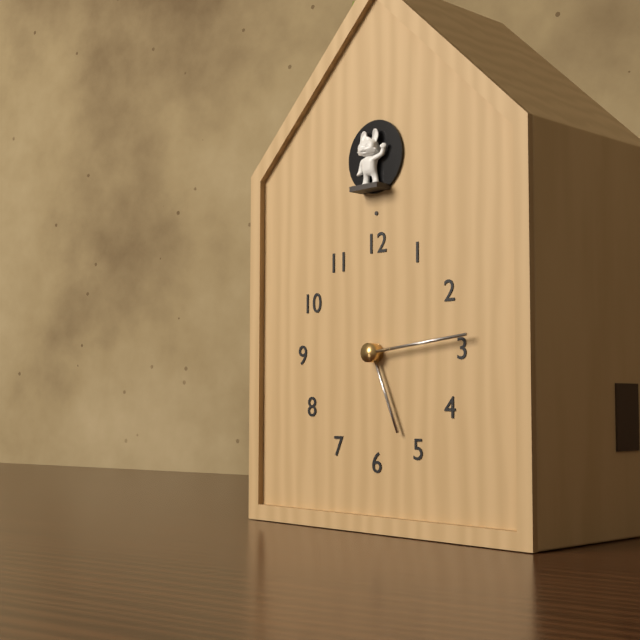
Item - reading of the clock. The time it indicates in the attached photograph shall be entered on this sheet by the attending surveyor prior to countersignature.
5:14
